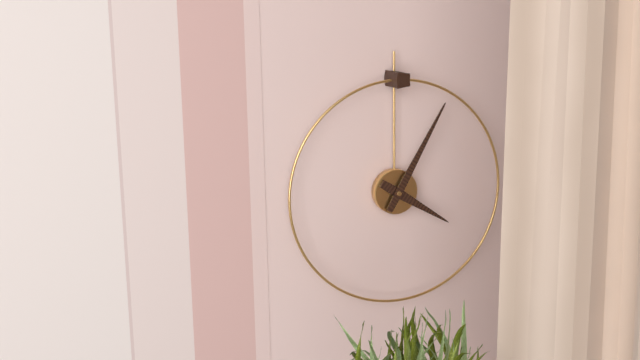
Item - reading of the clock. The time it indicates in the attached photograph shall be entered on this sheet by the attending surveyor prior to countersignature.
4:05
